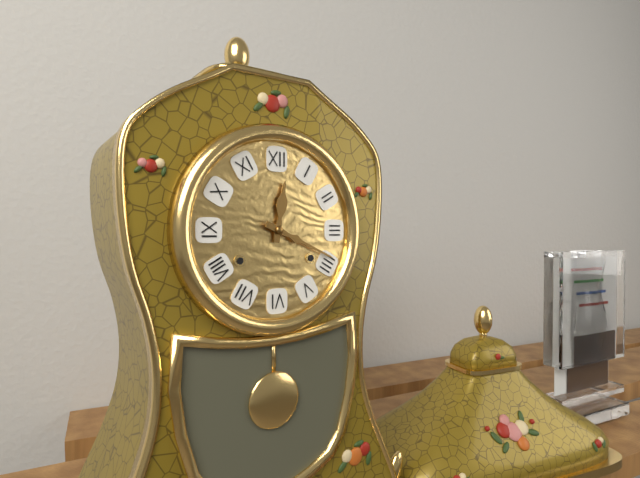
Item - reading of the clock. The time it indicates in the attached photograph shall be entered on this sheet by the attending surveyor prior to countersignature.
12:19
